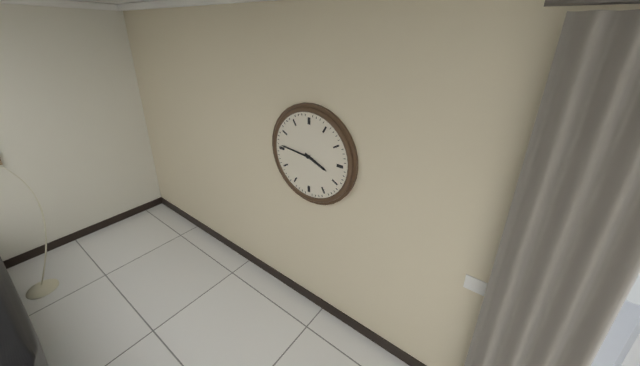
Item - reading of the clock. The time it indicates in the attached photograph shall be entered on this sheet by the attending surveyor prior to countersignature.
3:46
